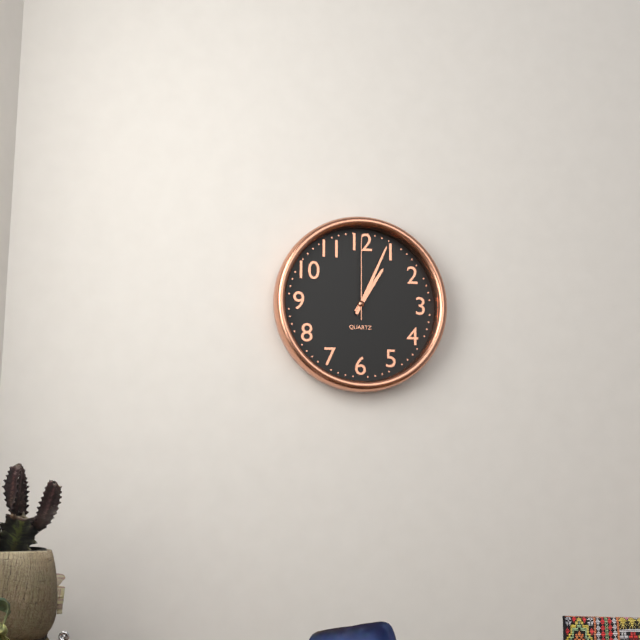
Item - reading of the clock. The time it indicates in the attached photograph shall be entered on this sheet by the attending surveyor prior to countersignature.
1:04:00
